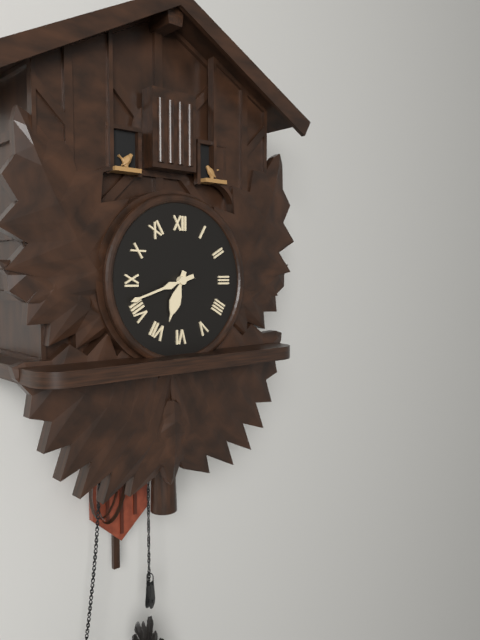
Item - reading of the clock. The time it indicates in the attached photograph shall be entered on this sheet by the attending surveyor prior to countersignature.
6:42
